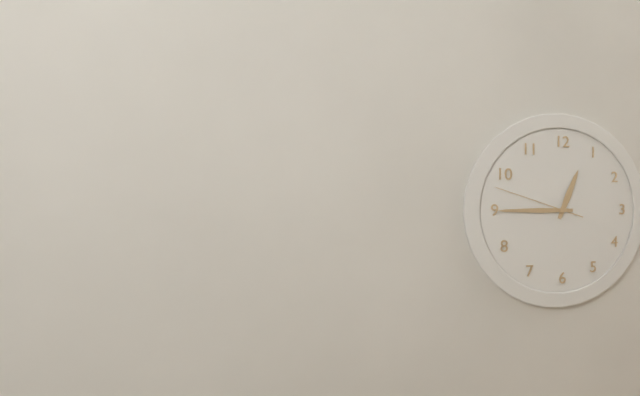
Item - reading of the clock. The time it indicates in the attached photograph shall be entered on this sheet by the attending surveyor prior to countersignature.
12:45:48
